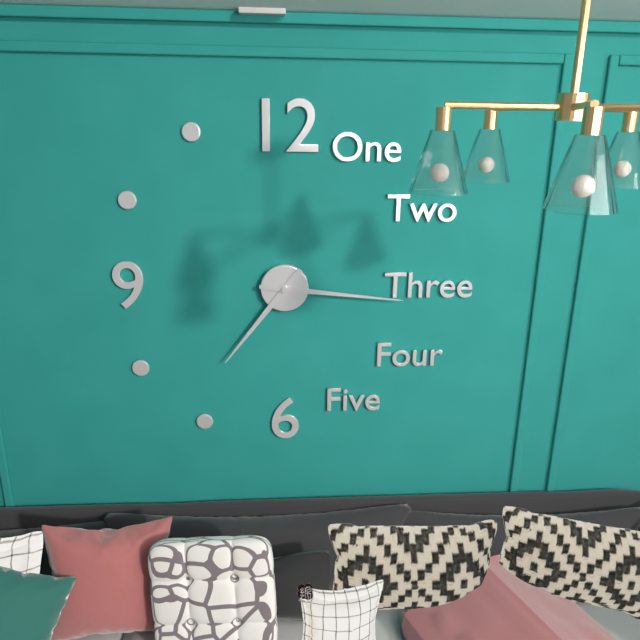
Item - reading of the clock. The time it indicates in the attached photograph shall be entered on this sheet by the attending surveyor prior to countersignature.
7:16
